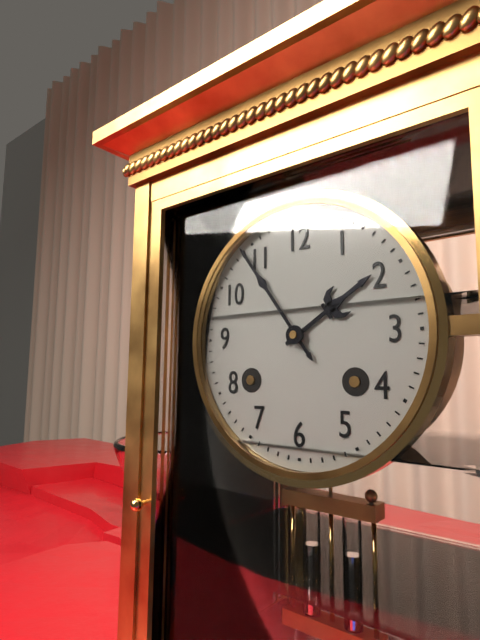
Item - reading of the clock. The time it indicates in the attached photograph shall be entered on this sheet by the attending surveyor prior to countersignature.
1:54
